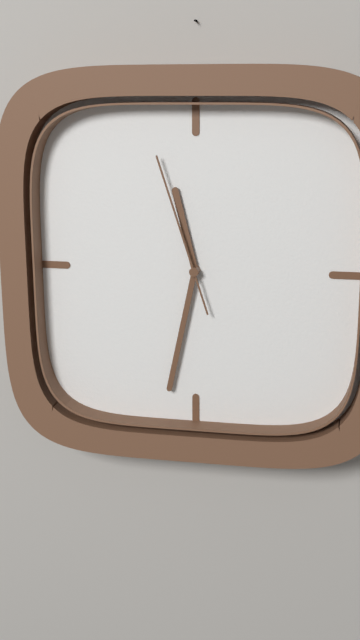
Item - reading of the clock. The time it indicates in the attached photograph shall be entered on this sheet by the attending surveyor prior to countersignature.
11:32:57
